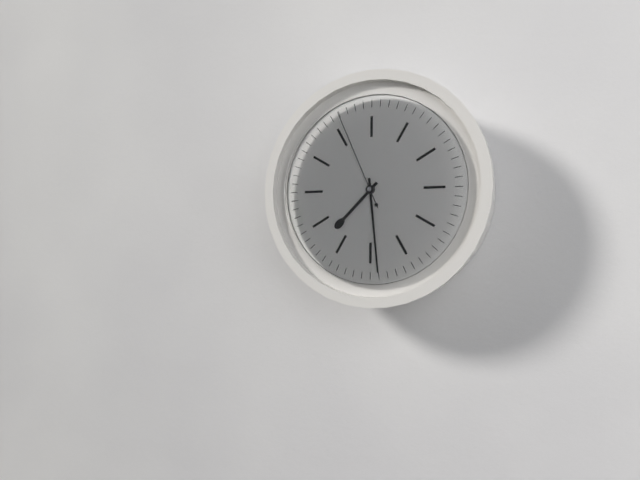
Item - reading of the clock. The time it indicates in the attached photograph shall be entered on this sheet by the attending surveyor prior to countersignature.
7:29:56
